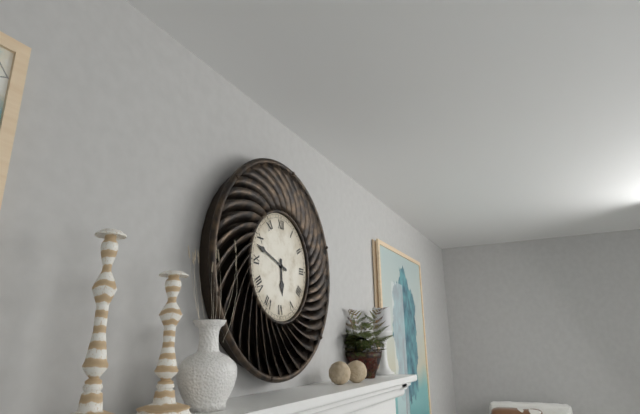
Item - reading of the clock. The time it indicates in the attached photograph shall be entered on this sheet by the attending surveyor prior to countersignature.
5:48
